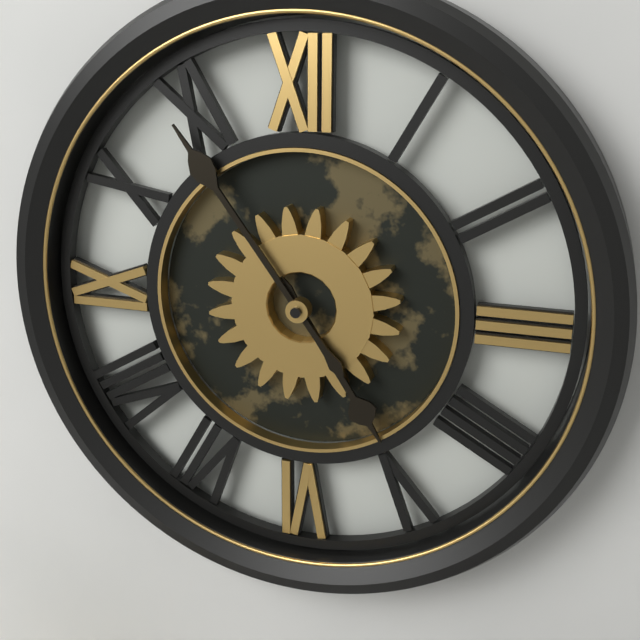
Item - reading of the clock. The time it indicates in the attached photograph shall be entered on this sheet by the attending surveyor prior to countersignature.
4:54
